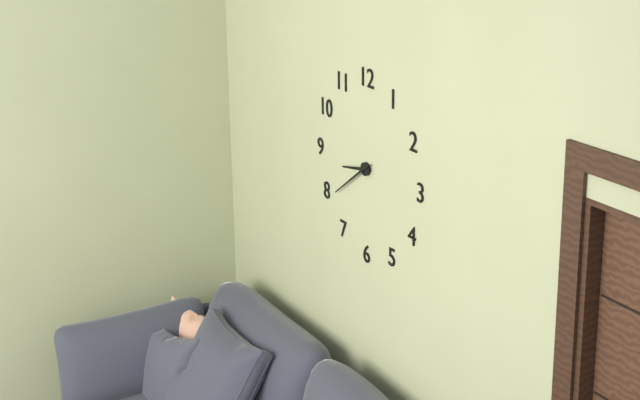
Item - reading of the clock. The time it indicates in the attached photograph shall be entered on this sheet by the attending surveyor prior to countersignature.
8:39
